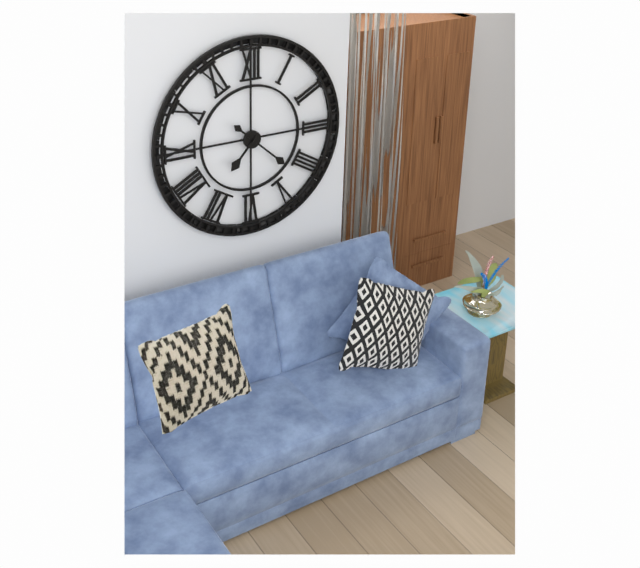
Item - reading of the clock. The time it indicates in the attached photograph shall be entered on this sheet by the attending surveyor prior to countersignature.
7:22
